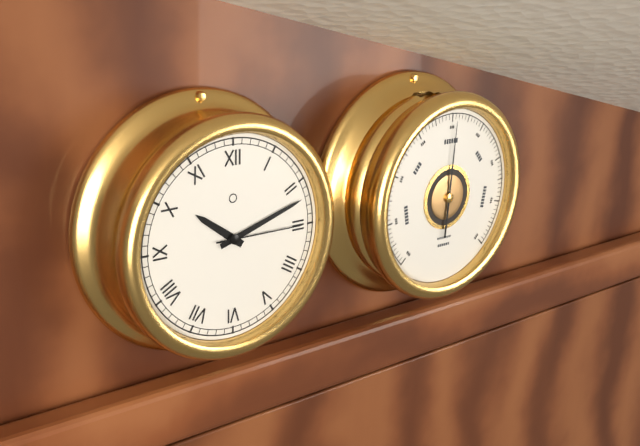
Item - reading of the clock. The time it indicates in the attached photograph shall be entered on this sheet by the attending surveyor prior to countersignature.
10:12:15
